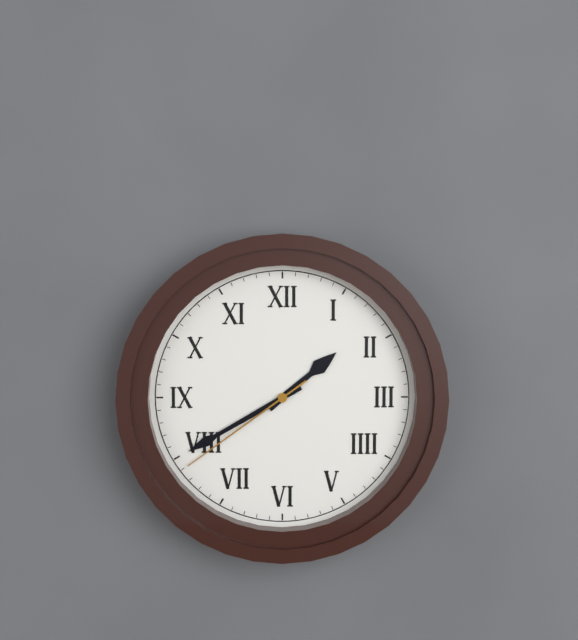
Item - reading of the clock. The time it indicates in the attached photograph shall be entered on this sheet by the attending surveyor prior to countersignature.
1:40:39
